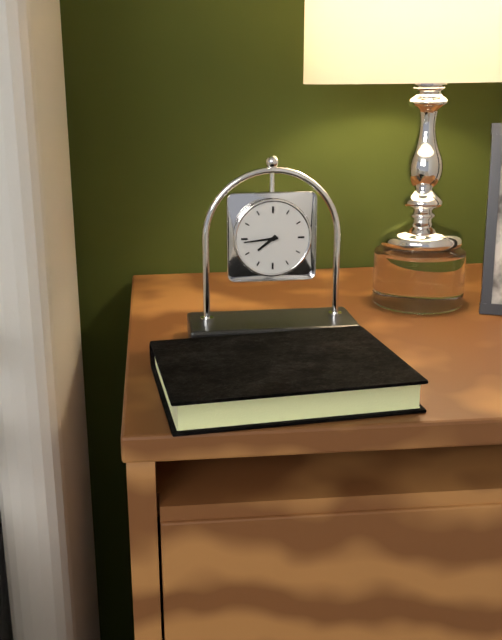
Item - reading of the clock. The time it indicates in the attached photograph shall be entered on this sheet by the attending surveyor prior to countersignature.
7:44
